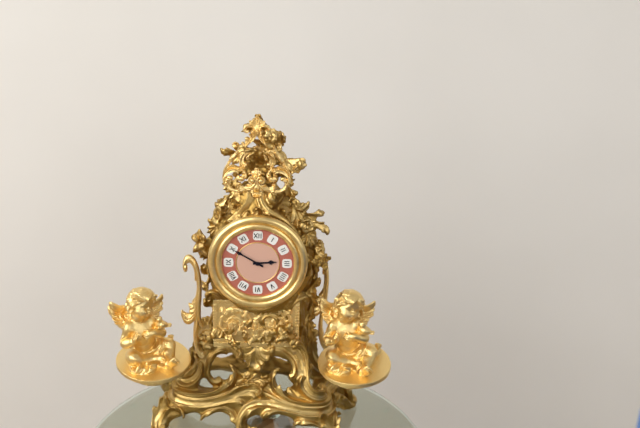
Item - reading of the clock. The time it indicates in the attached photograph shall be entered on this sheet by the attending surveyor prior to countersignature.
2:50
